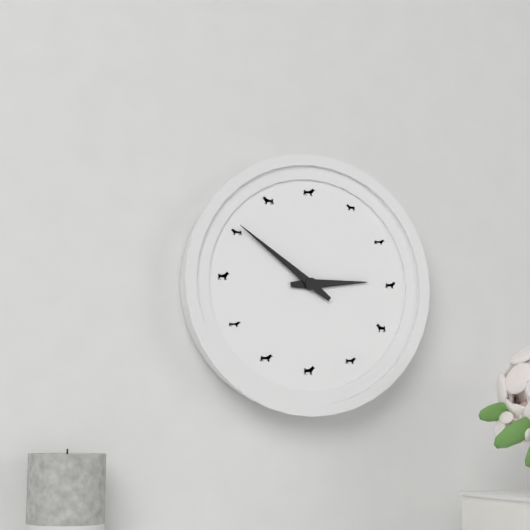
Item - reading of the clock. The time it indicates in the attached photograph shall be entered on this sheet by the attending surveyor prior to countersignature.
2:51
